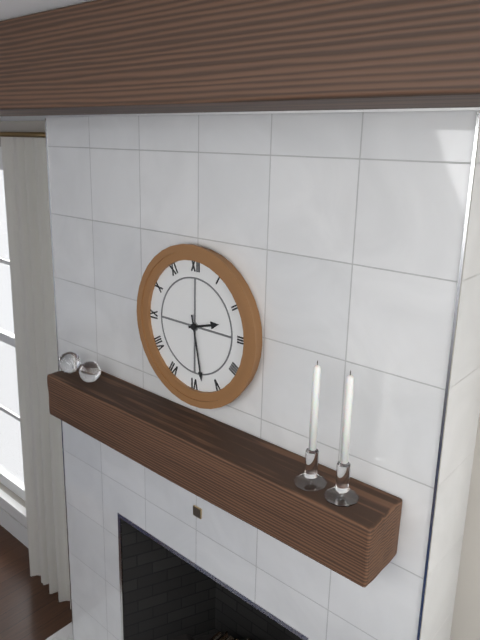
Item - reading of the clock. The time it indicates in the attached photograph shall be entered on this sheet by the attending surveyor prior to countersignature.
2:28
